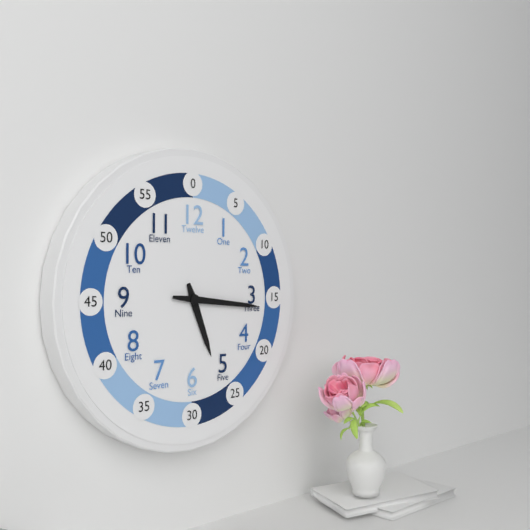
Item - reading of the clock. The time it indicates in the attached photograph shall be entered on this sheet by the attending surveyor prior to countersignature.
5:16
